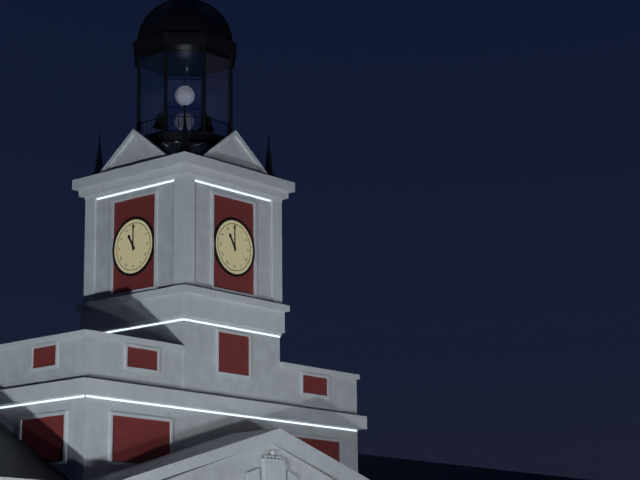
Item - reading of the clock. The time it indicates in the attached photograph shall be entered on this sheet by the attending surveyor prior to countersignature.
11:00
